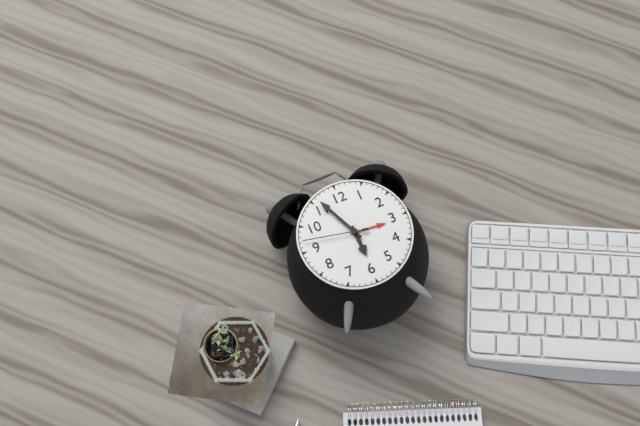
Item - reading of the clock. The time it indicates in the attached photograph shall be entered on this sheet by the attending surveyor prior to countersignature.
5:56:47
